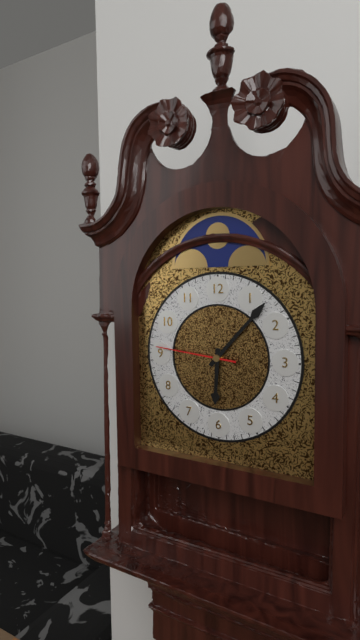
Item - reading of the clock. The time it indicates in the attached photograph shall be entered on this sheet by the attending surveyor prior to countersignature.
6:07:46
